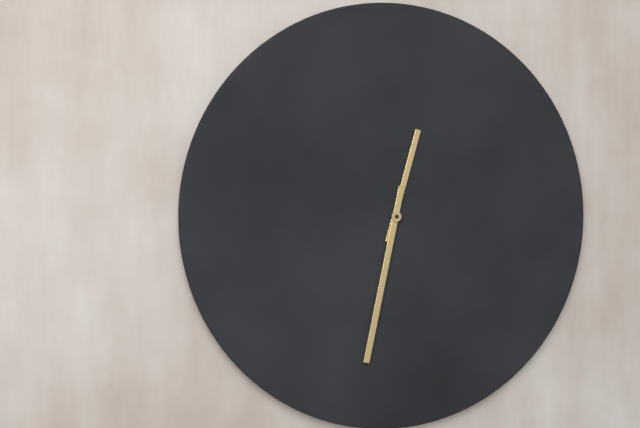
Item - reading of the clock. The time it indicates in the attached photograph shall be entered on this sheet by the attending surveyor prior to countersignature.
12:32
